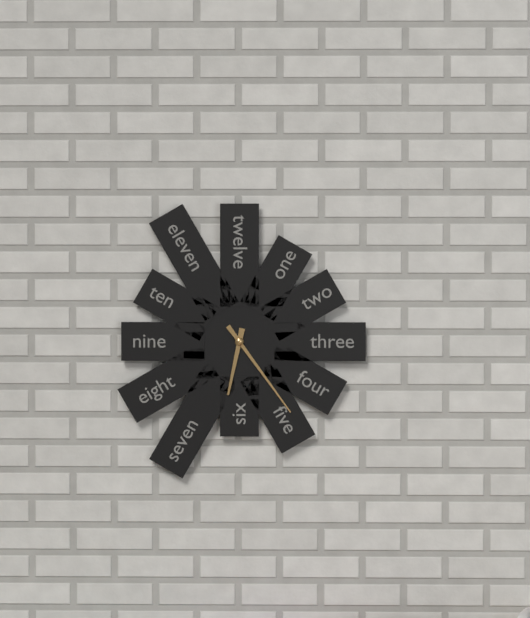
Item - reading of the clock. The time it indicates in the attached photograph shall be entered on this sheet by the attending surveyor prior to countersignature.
6:24
